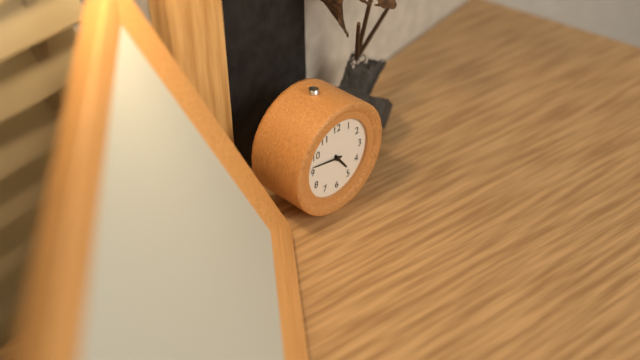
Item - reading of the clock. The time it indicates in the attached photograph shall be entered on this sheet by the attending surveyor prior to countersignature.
4:47
